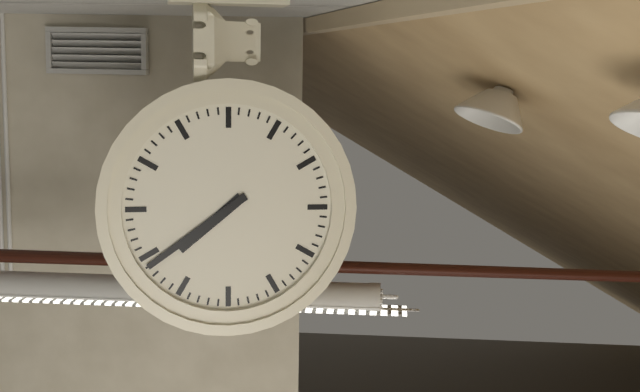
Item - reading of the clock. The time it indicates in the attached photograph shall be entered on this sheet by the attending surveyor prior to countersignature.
7:39
